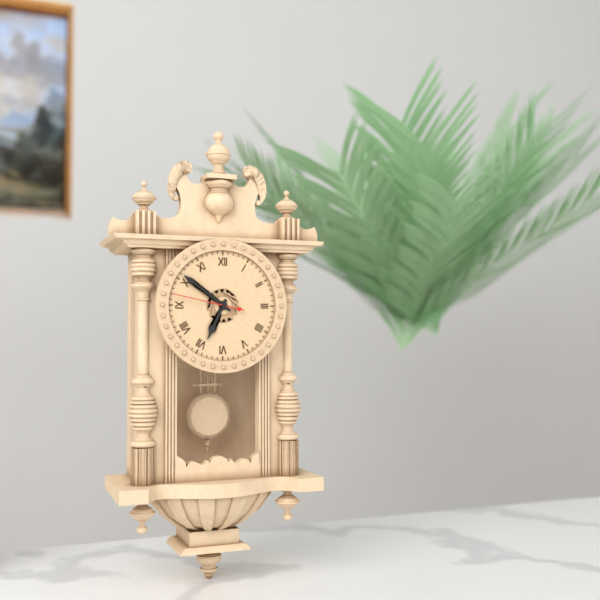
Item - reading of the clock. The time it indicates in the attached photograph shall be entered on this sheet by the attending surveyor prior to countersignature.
6:51:47
